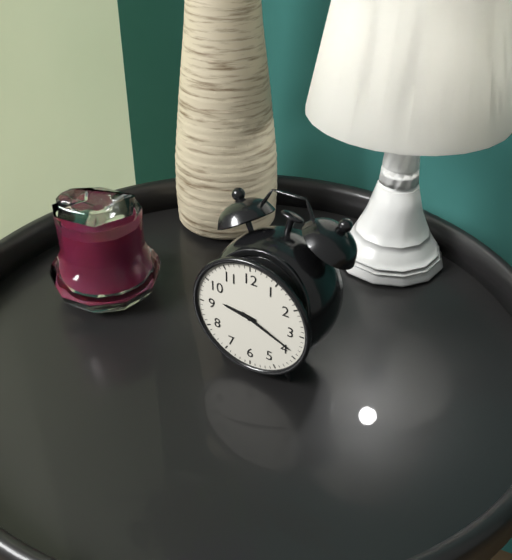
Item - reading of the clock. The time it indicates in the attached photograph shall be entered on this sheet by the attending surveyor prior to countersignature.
9:19
